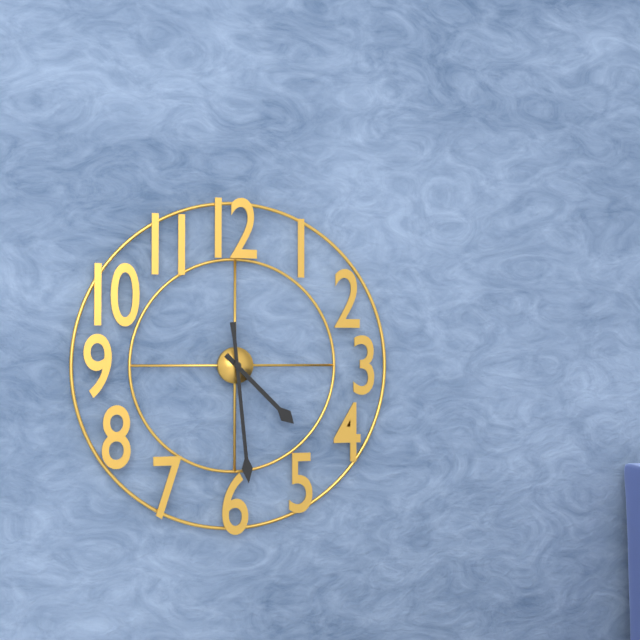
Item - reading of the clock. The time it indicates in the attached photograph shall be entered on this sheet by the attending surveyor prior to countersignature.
4:29
